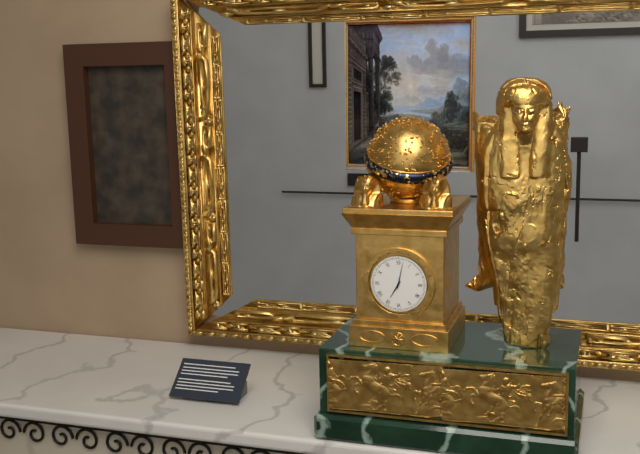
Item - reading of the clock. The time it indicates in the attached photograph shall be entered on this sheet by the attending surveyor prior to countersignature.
7:02
